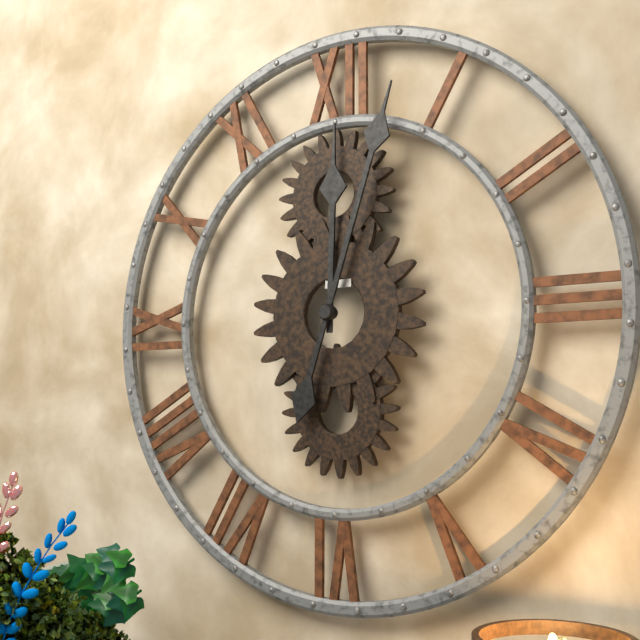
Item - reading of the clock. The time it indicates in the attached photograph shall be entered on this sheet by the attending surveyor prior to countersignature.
12:03
